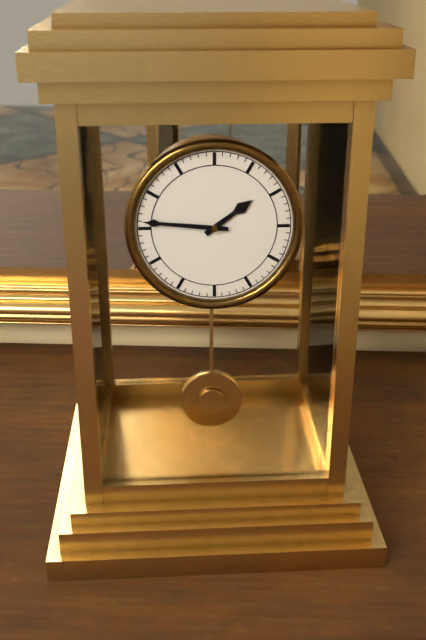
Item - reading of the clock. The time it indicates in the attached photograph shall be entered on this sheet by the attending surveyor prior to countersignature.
1:46
